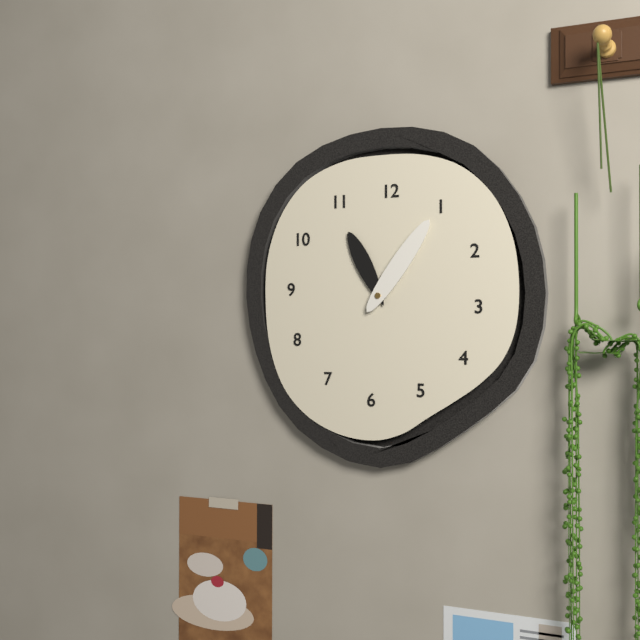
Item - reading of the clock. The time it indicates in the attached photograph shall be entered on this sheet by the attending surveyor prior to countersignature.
11:06
